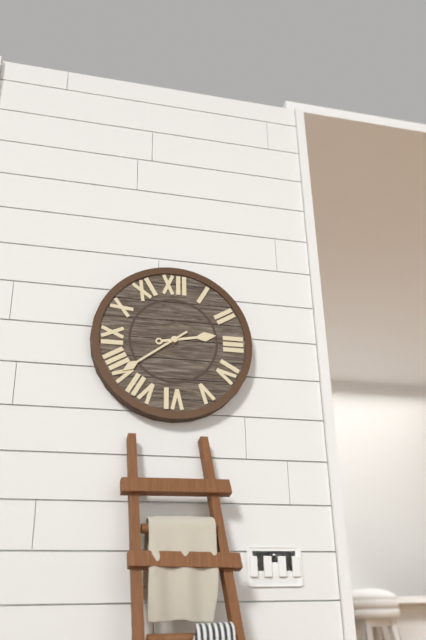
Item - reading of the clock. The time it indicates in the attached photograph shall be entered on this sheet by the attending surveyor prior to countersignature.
2:39
